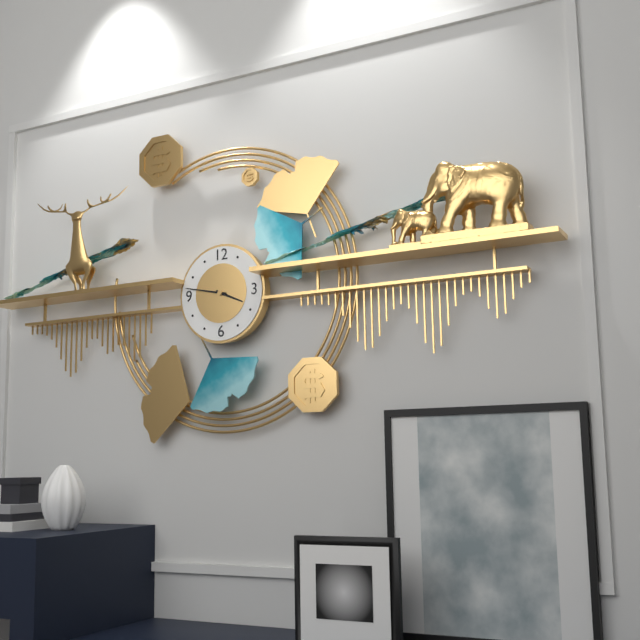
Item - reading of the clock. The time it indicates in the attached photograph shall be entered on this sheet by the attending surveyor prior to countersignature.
3:47
